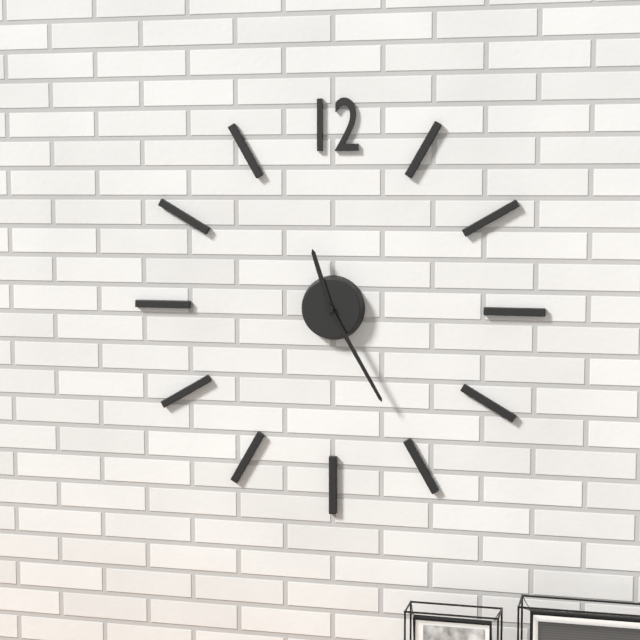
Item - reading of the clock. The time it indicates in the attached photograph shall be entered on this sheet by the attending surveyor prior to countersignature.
11:25
